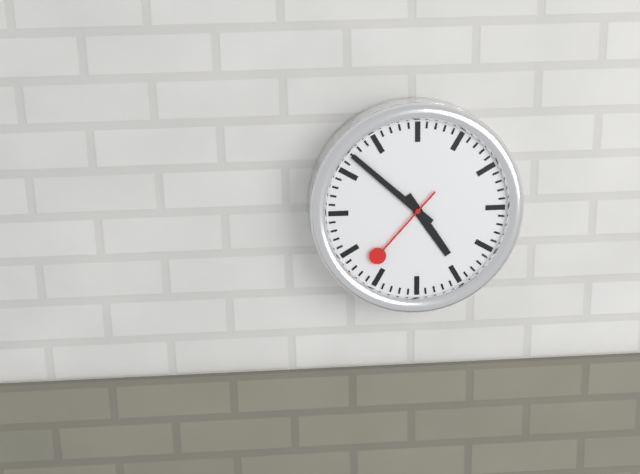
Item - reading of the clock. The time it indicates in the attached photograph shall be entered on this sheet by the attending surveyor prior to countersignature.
4:52:37
